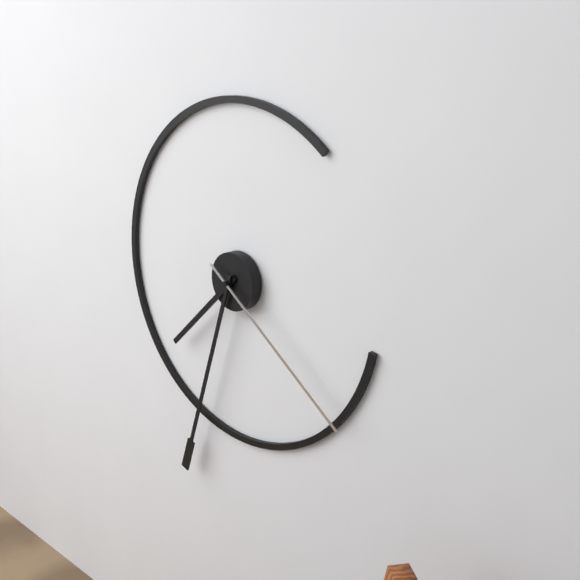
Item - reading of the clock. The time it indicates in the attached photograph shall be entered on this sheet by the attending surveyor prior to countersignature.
7:33:21
